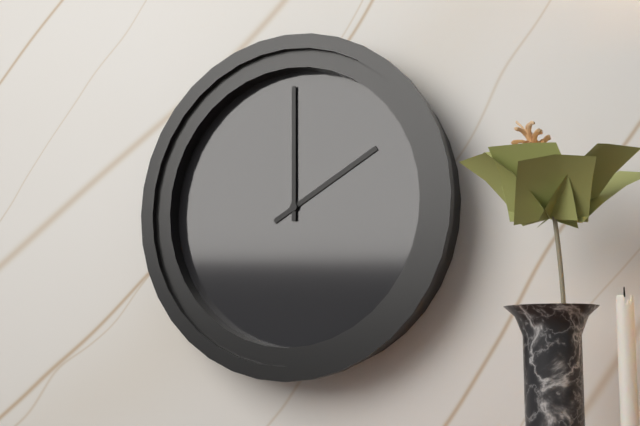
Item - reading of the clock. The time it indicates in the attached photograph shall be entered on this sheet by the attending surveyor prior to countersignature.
2:00
